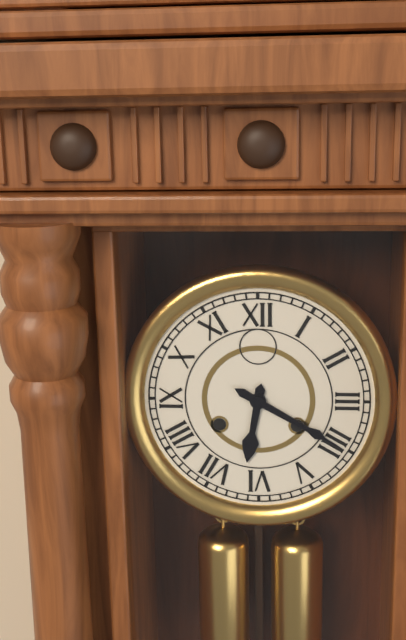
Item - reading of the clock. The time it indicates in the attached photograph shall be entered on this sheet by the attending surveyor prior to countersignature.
6:20
